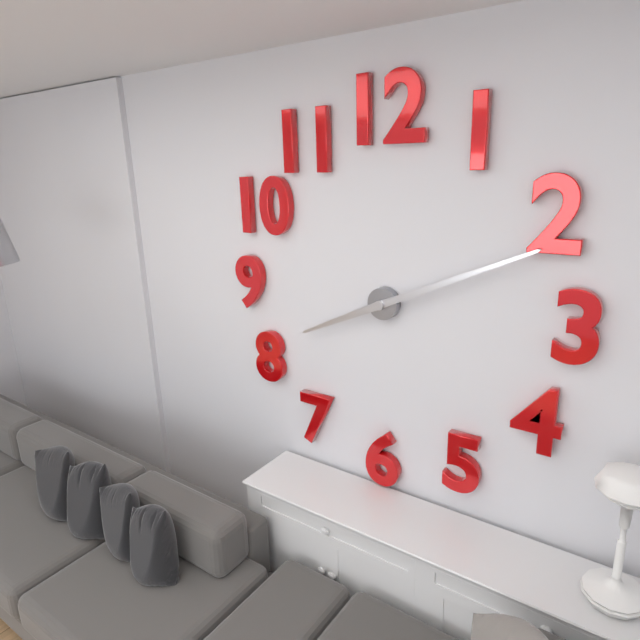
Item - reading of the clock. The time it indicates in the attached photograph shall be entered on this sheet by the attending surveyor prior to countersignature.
8:11
